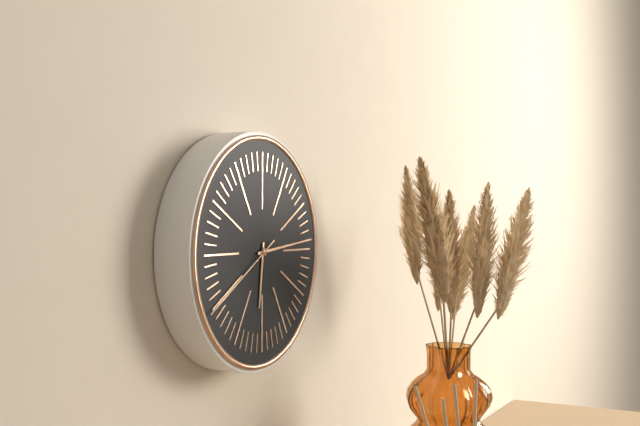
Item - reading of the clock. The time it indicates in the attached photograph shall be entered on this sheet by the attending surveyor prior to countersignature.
6:14:40
